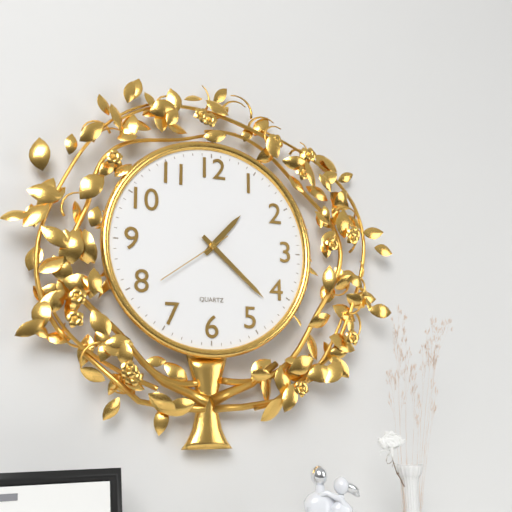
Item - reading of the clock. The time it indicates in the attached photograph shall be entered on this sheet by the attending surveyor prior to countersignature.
1:22:39
